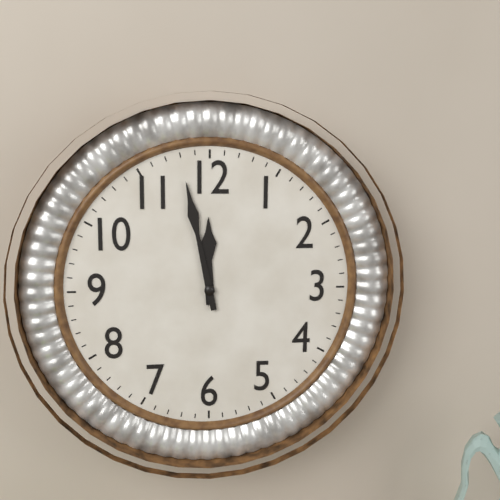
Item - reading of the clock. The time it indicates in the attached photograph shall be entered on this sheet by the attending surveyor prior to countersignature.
11:58
